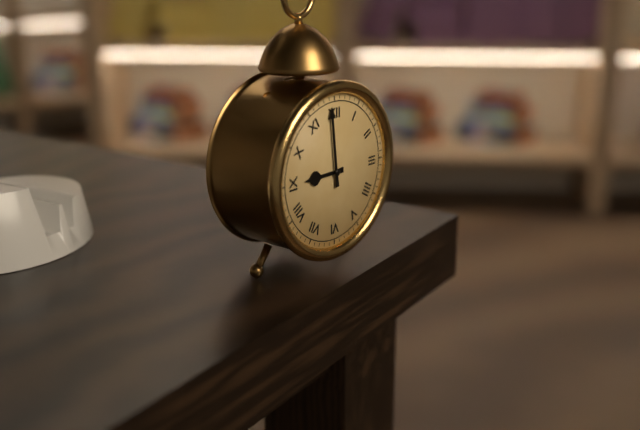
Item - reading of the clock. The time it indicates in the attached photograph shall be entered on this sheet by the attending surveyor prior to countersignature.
8:59
